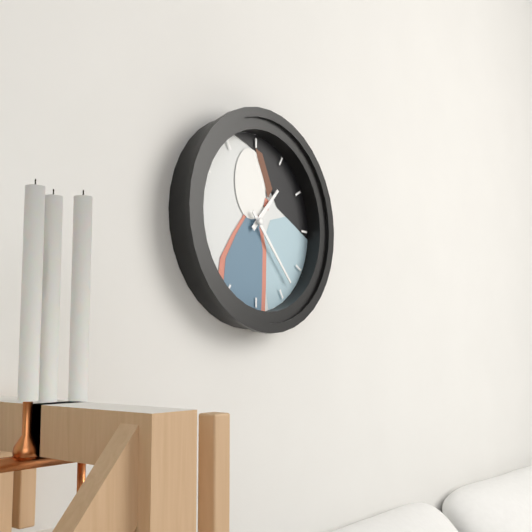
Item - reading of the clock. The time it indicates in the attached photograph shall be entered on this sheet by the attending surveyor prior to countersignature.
1:23
